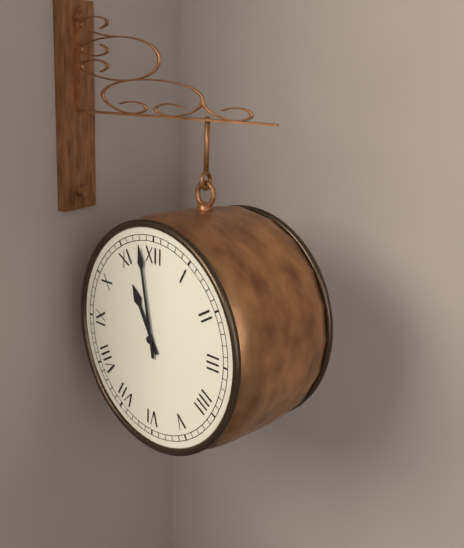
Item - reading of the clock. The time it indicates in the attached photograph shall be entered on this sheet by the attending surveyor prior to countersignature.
10:58
